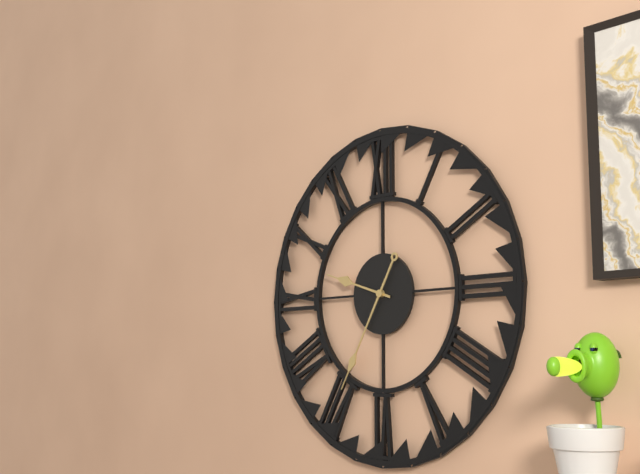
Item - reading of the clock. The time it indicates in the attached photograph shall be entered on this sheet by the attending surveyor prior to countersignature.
9:35
